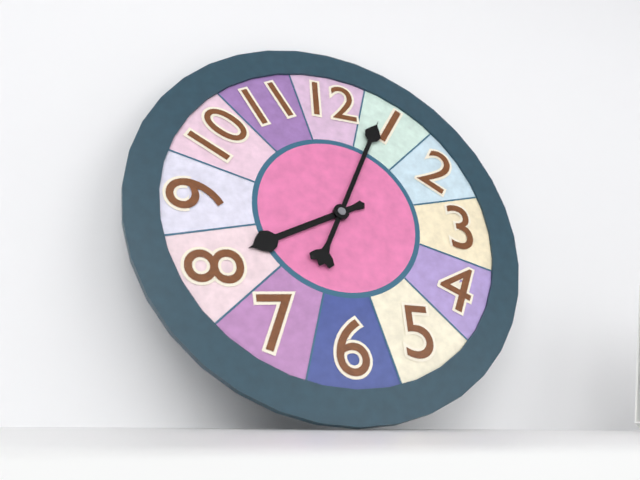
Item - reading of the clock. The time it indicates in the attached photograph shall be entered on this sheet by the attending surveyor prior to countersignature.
8:04
